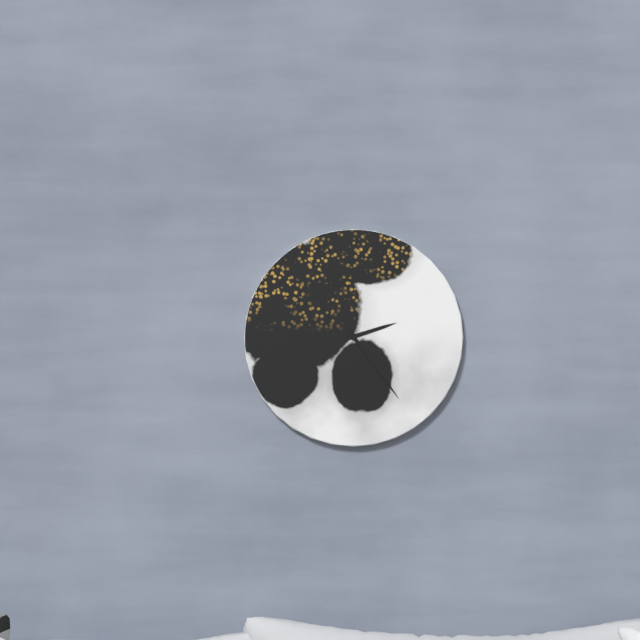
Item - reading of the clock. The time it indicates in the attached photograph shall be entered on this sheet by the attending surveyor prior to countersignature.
2:24
